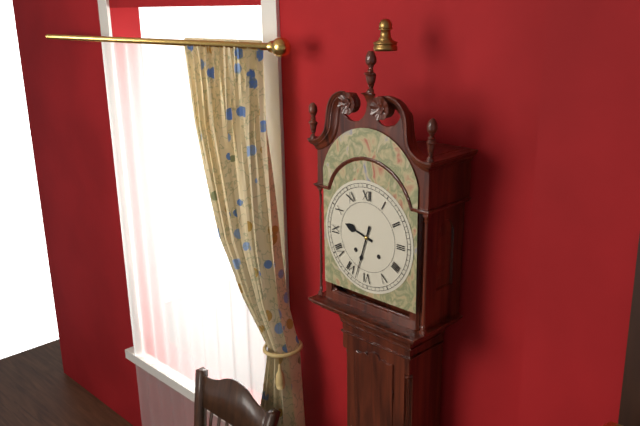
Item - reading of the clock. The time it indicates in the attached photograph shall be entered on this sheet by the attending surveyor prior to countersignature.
9:33
